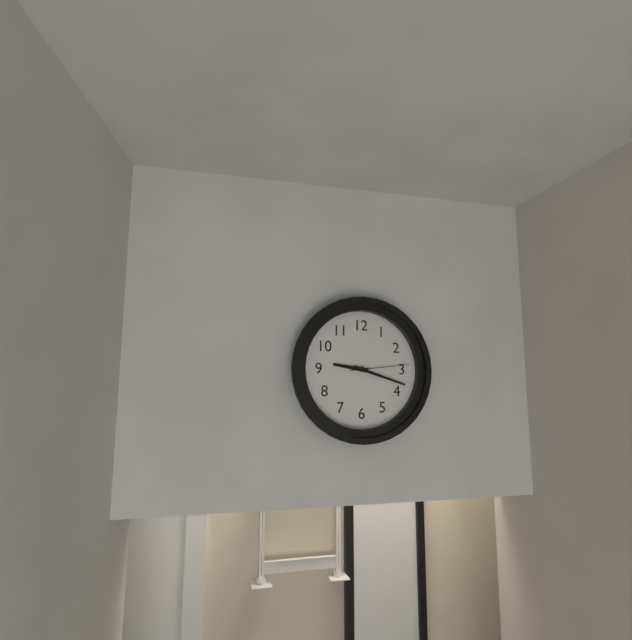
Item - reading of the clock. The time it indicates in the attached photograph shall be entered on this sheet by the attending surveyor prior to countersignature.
9:18:14
